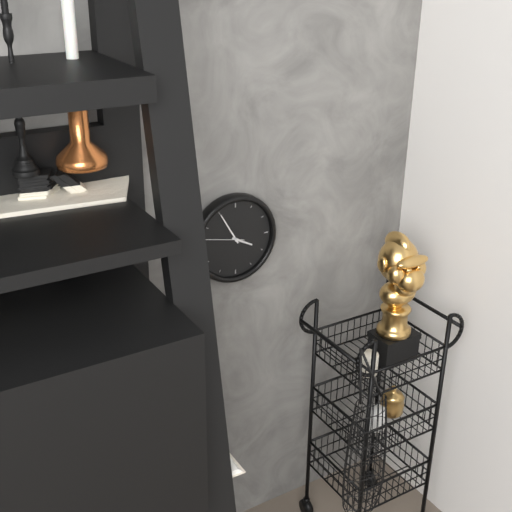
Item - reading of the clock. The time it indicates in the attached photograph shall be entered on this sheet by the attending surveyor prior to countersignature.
3:55
